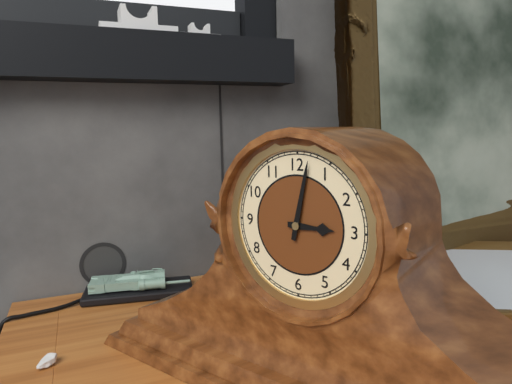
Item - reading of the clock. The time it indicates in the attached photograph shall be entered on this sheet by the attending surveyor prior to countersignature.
3:02
